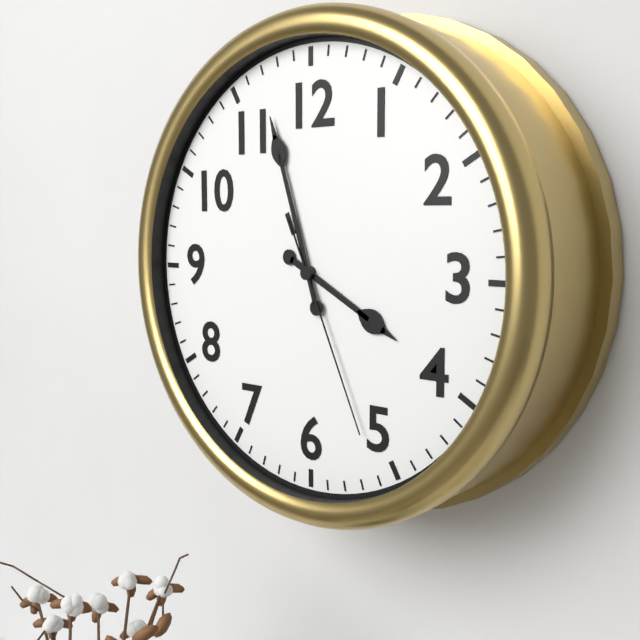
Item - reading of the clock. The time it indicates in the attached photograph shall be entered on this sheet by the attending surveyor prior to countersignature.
3:57:26
